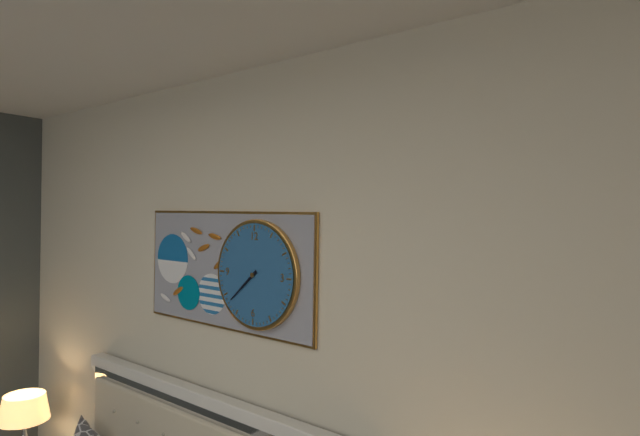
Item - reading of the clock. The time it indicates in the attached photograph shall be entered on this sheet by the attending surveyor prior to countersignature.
7:38
